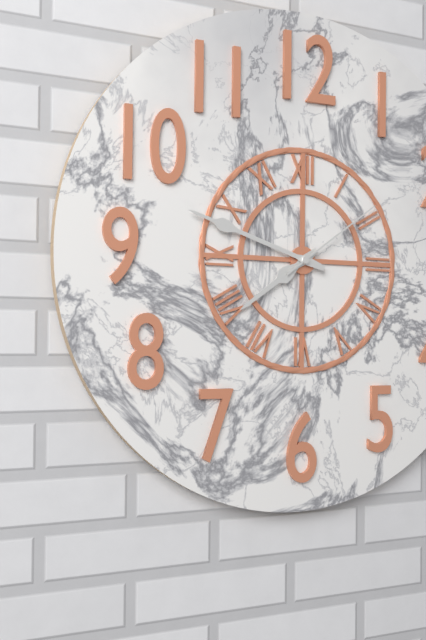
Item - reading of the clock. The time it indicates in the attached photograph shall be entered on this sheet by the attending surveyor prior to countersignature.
7:48:09
